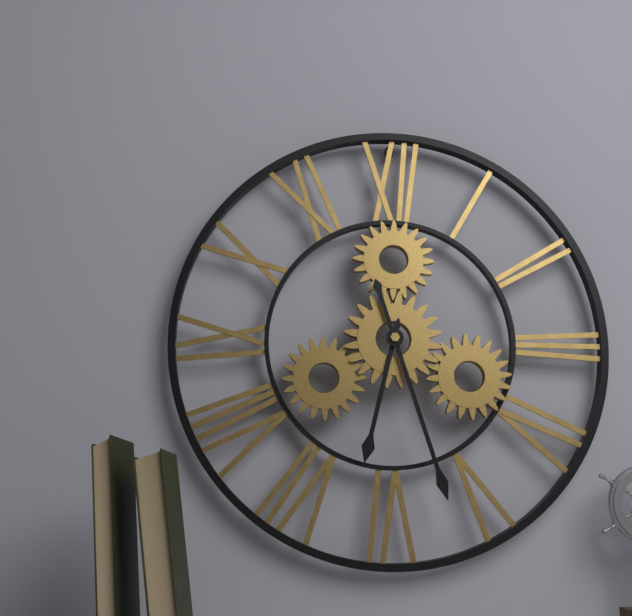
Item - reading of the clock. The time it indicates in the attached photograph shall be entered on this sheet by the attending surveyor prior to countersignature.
6:27
